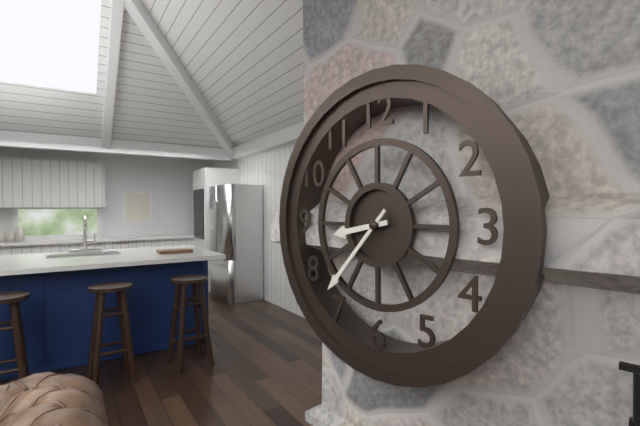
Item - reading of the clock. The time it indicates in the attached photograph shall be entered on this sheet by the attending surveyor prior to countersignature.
8:37
